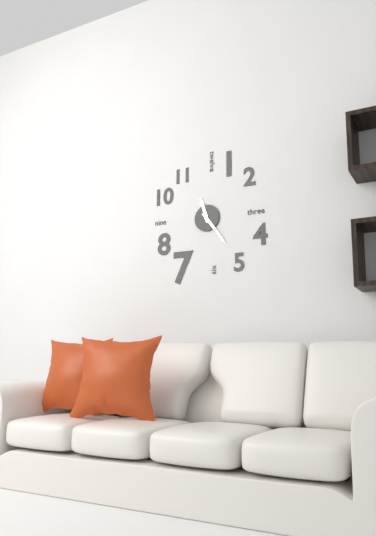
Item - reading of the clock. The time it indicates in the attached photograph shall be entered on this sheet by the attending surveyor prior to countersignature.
11:24
